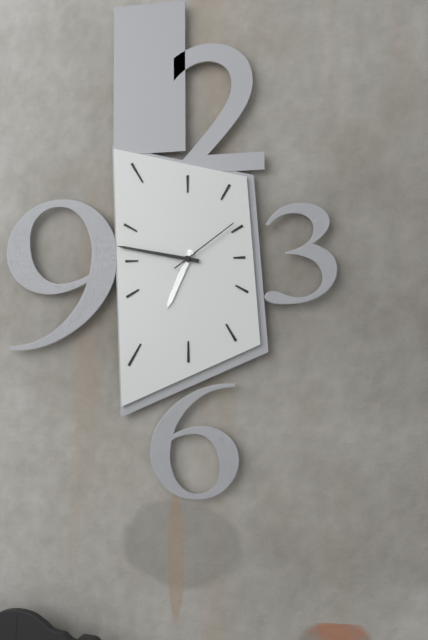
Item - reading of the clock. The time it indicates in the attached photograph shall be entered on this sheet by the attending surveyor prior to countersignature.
6:47:09
